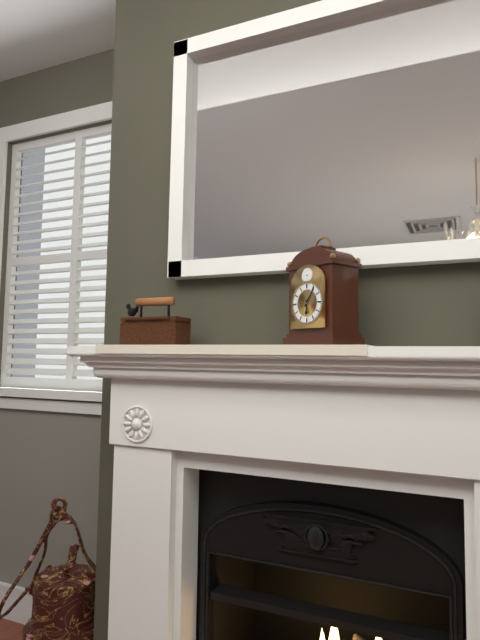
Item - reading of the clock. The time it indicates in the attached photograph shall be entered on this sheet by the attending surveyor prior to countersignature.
6:06
